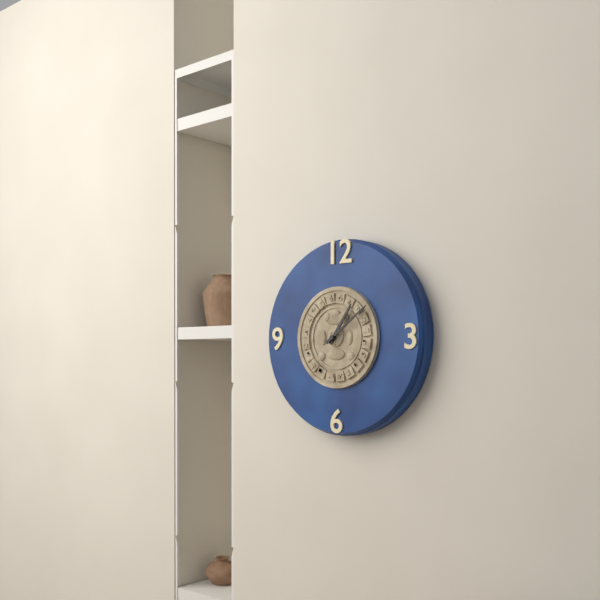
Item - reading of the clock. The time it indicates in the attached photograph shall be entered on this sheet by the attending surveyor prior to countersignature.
1:09
